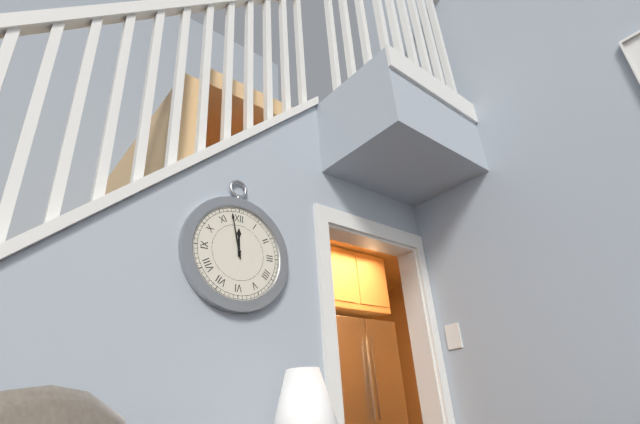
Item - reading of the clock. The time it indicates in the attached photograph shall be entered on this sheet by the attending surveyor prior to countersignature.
11:58
